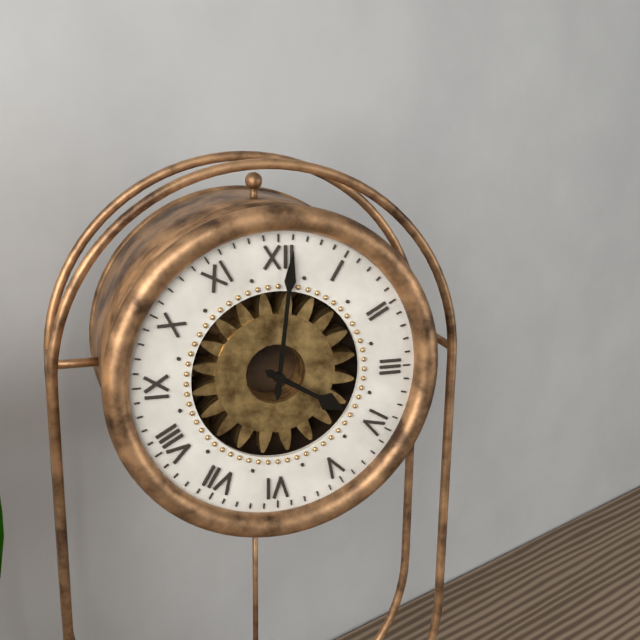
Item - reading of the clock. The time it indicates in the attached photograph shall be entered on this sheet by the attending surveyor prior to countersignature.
4:01
